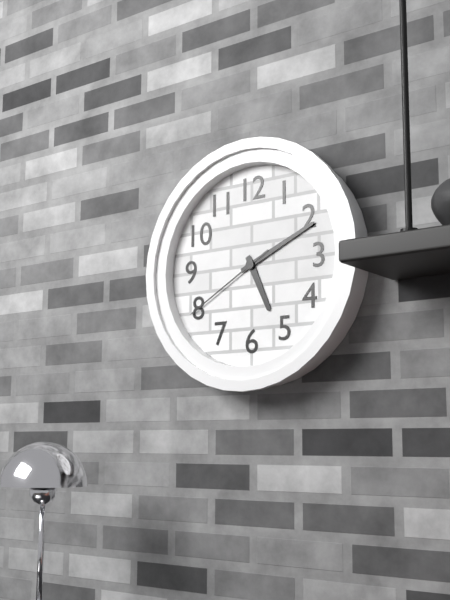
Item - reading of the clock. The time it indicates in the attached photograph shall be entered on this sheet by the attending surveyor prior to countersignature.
5:11:40
